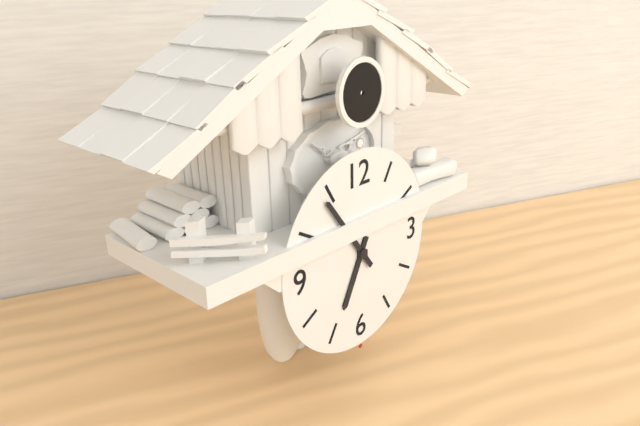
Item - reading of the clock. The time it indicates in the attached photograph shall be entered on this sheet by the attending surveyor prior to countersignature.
6:54
